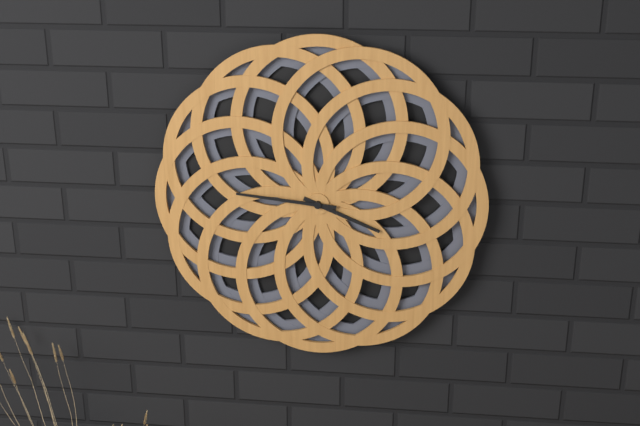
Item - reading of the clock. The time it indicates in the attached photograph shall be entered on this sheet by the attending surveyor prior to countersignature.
3:46
